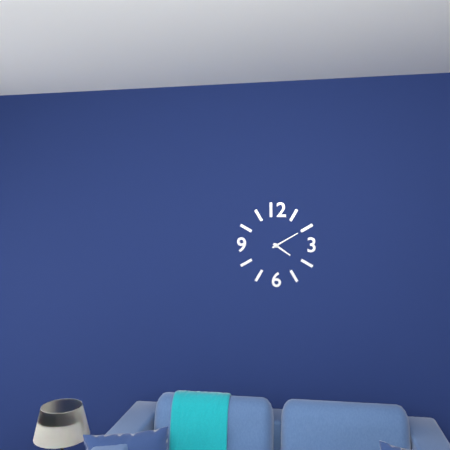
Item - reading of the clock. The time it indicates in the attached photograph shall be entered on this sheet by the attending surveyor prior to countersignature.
4:10
